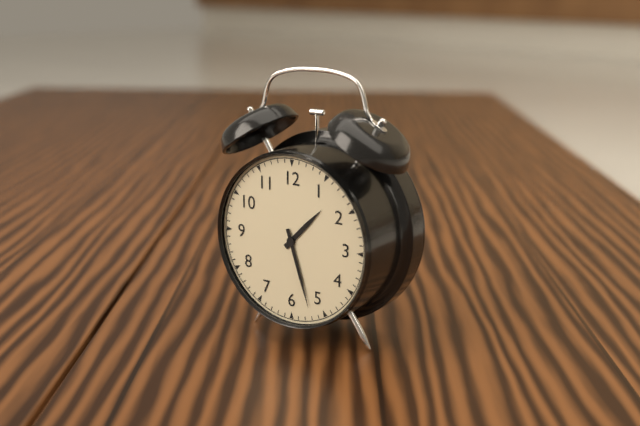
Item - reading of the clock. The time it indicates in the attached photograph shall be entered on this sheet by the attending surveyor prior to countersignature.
1:27
